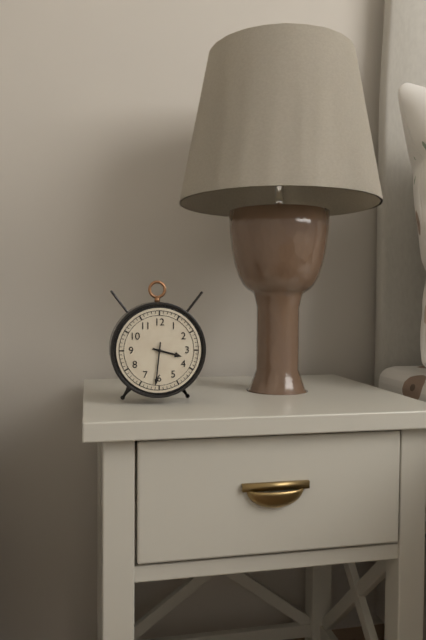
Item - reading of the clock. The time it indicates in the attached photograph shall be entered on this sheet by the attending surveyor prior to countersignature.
3:31
